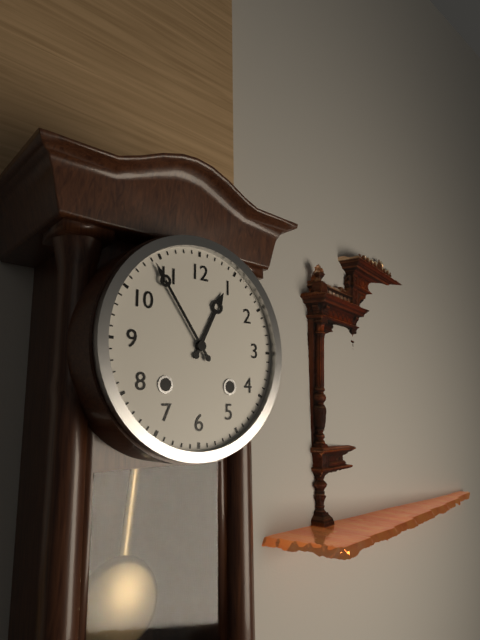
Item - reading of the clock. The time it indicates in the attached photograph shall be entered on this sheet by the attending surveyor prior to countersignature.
12:54
